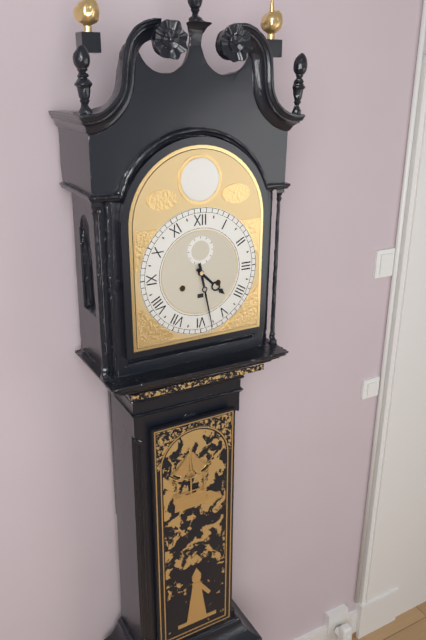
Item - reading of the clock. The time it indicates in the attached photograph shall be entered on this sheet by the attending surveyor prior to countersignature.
4:28
